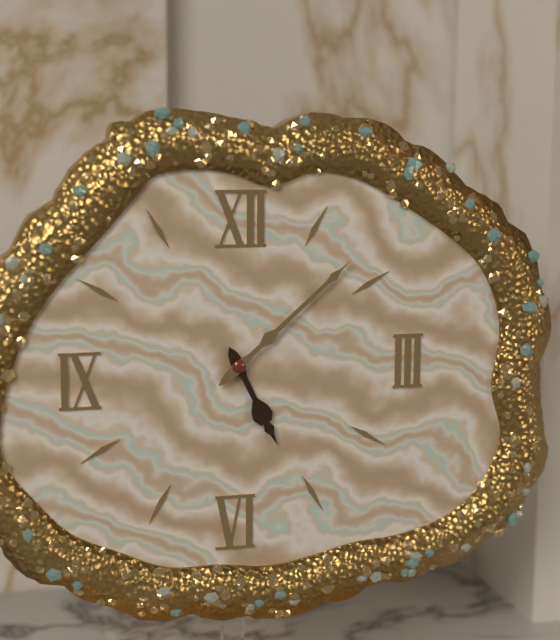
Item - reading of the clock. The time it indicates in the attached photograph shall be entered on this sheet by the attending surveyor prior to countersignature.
5:08
